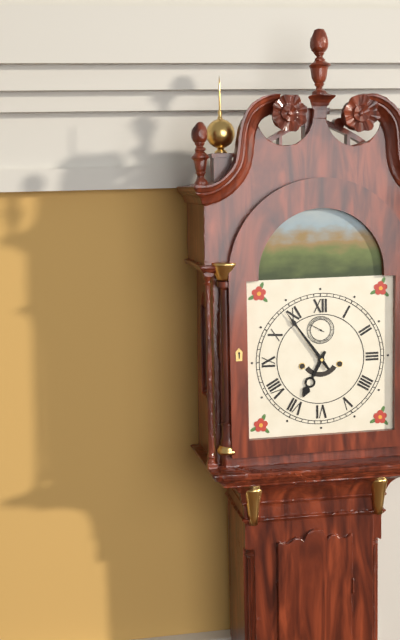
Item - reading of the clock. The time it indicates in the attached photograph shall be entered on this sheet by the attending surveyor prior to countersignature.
6:54
